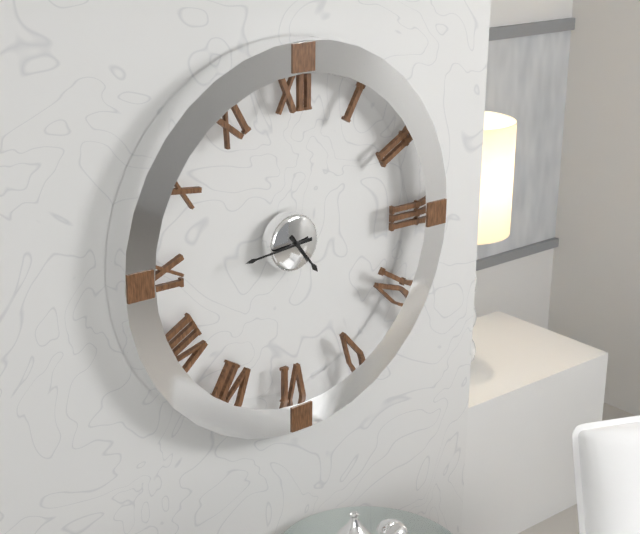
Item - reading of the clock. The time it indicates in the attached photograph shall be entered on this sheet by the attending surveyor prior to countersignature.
4:44
